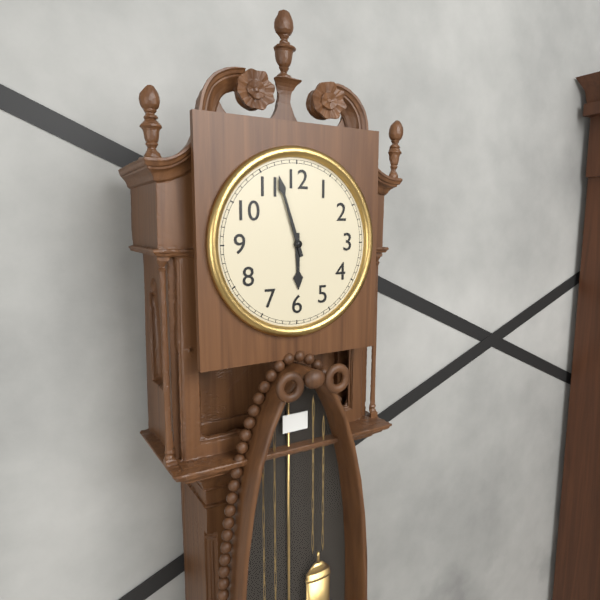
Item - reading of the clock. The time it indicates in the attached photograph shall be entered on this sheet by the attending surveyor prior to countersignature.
5:57
